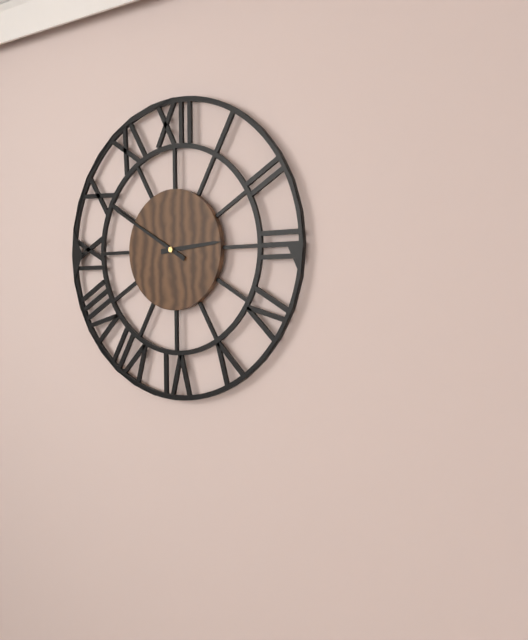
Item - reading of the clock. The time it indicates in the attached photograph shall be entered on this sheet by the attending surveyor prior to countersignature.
2:50
